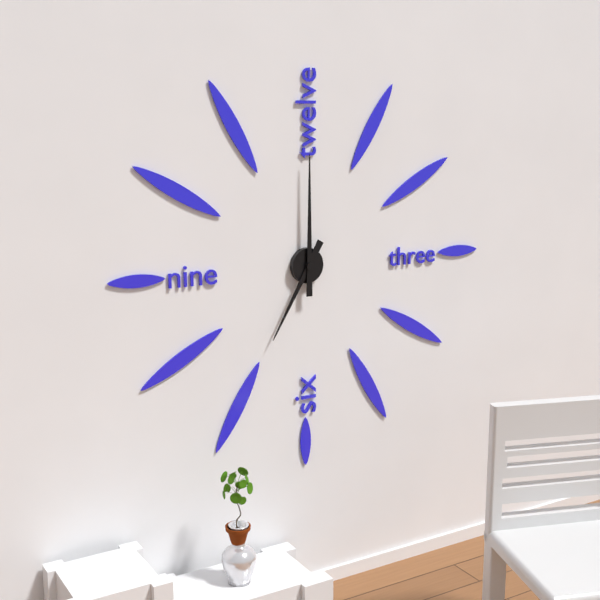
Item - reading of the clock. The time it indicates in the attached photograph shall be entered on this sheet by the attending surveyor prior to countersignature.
7:00
